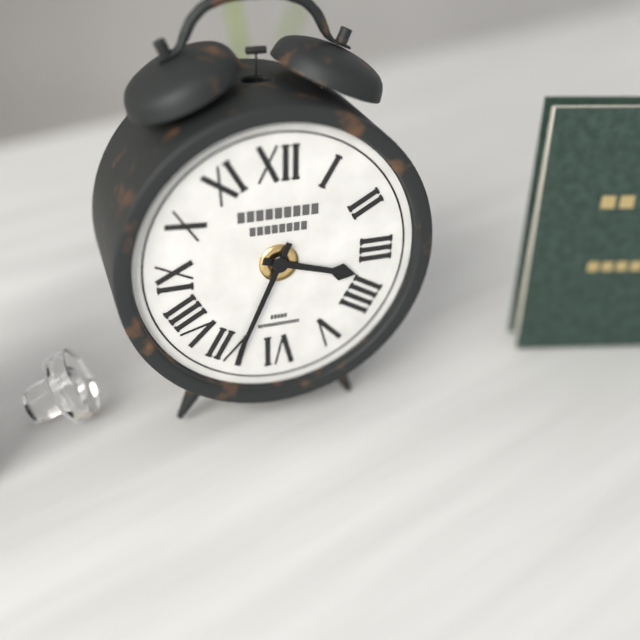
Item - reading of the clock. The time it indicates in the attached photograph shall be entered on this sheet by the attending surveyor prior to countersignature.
3:34
